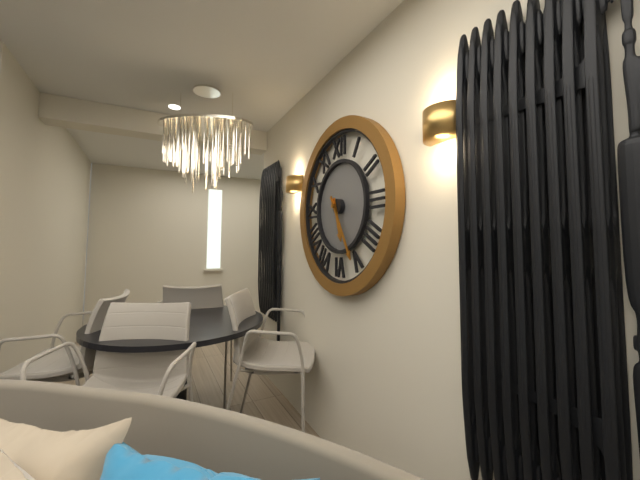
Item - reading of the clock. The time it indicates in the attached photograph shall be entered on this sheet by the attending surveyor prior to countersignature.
5:25
